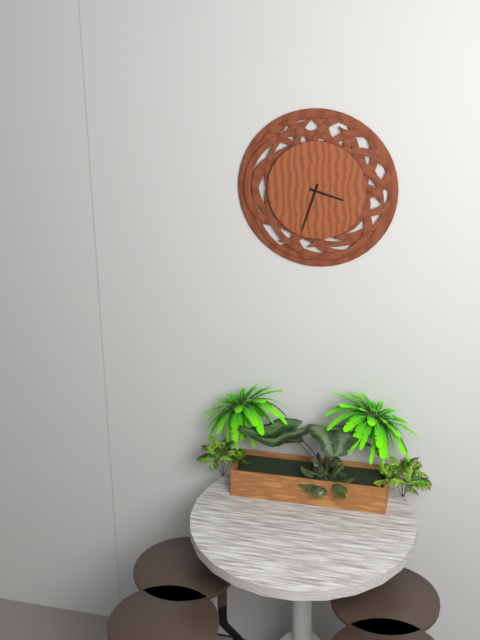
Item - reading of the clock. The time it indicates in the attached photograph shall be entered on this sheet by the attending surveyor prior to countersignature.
3:33
